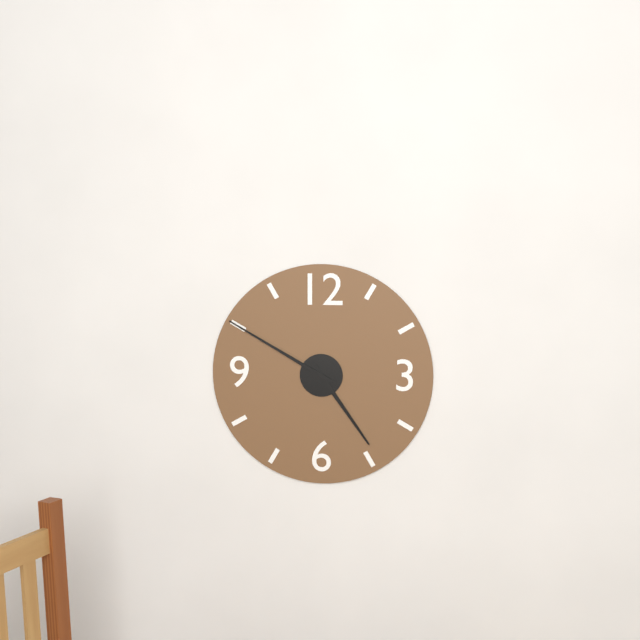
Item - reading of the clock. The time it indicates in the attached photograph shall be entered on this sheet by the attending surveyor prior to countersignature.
4:50
